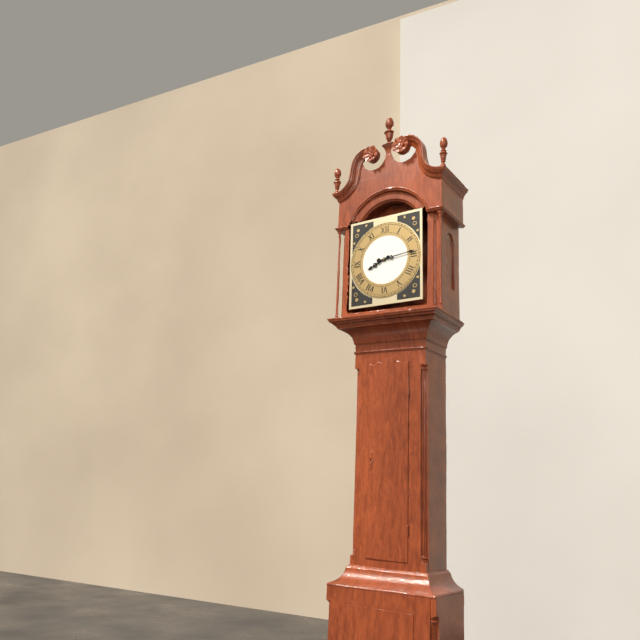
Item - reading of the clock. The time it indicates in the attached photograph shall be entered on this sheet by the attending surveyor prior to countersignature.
8:14
